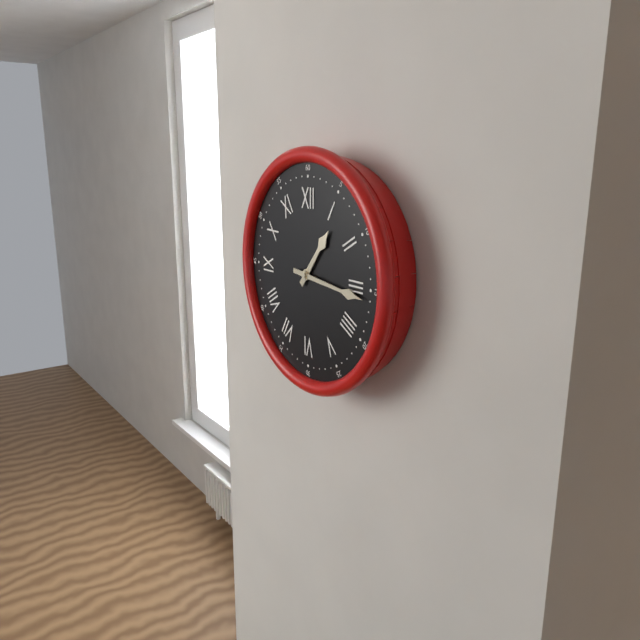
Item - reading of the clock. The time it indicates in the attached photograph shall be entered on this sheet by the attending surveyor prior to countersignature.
1:16
